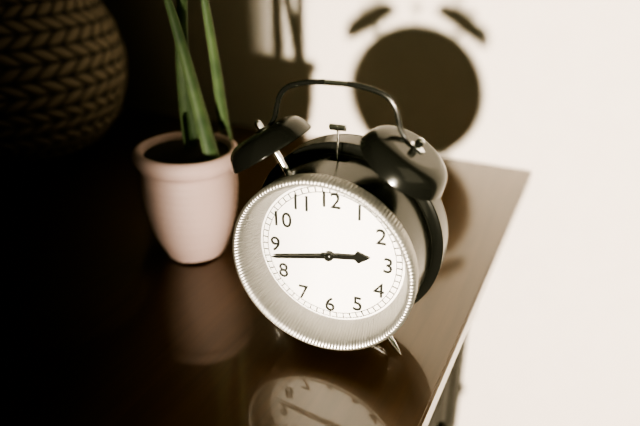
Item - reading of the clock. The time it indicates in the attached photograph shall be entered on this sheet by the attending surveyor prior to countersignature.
2:43
